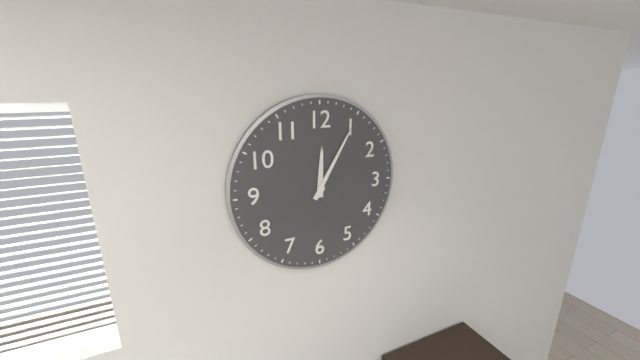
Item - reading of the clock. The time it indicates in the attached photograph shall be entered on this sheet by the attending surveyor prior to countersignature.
12:05
